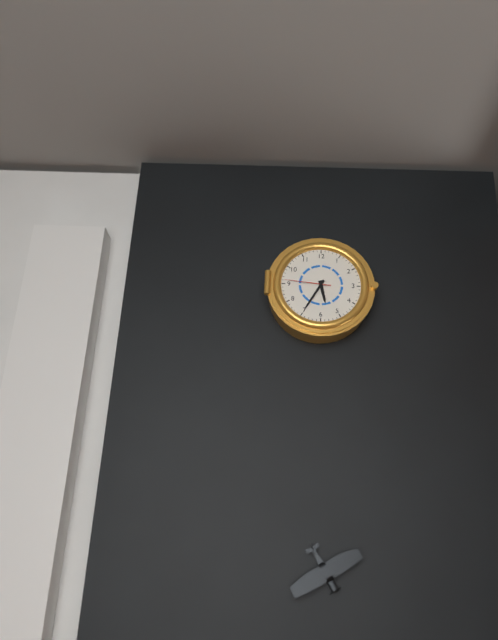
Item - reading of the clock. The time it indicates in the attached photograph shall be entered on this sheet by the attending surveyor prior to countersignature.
5:35
